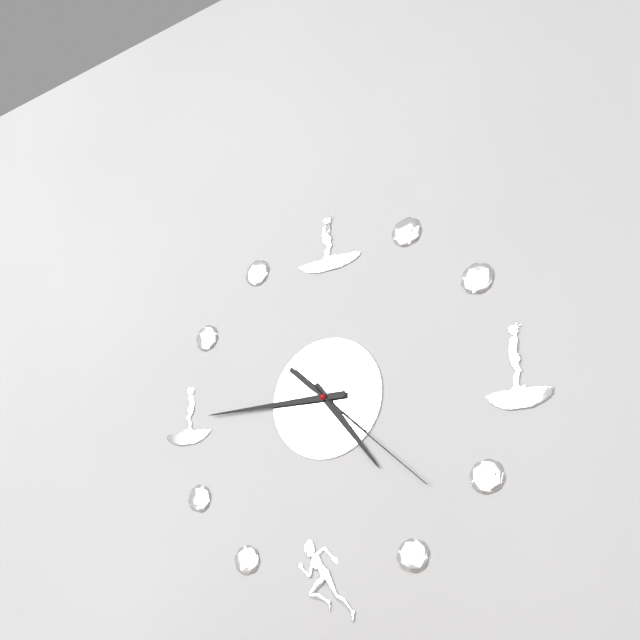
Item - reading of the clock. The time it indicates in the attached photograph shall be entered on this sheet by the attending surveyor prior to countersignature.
4:45:22
